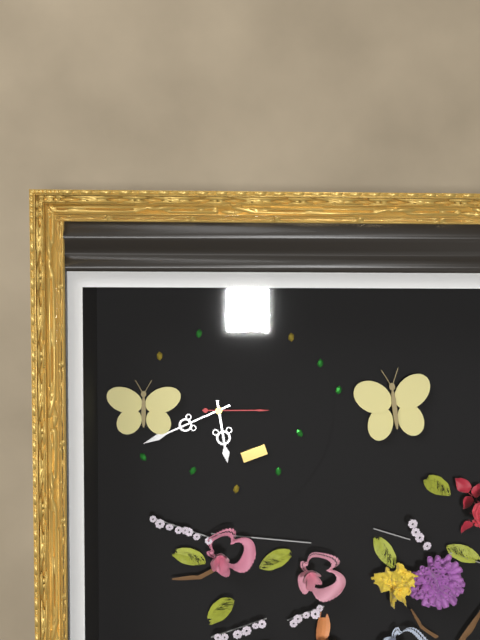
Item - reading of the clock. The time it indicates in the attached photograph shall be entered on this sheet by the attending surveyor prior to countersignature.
5:41:15
